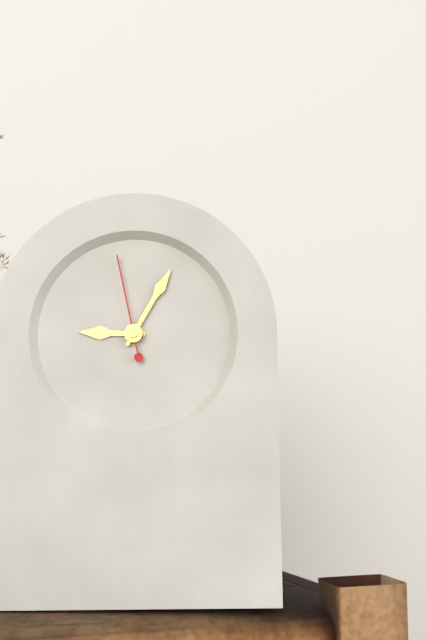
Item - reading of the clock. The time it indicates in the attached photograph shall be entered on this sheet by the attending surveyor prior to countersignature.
9:05:58
